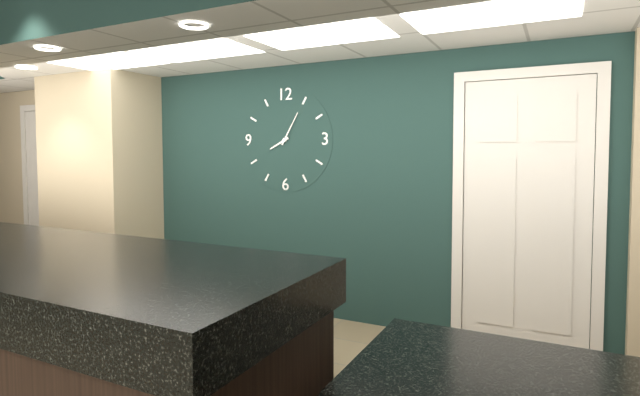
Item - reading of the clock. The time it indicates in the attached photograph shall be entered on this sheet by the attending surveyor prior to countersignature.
8:05
